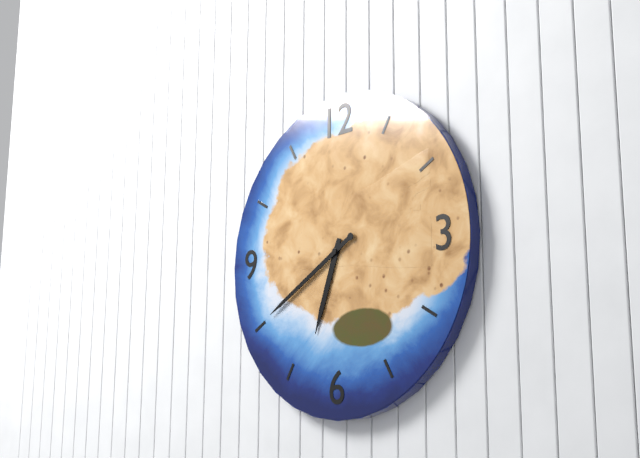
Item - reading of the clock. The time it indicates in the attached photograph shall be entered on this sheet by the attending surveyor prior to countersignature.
6:40
